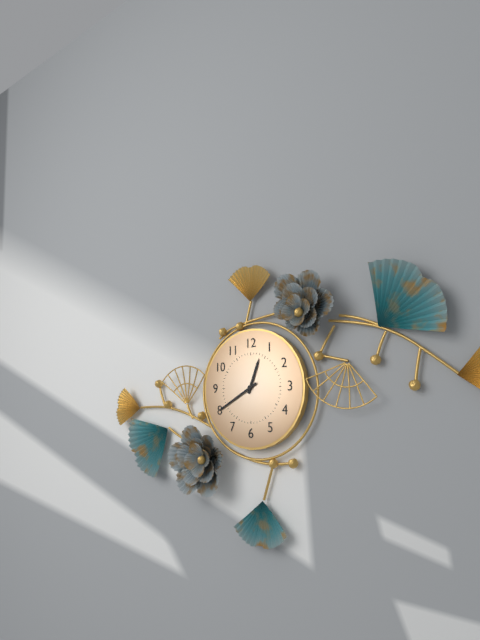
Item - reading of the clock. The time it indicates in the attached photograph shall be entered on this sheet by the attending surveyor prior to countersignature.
12:40
